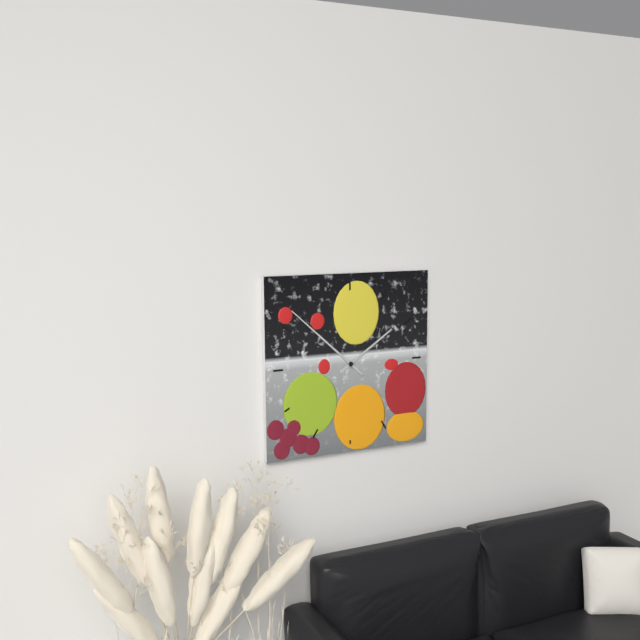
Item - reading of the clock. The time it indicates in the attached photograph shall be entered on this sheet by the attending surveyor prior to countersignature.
1:52
